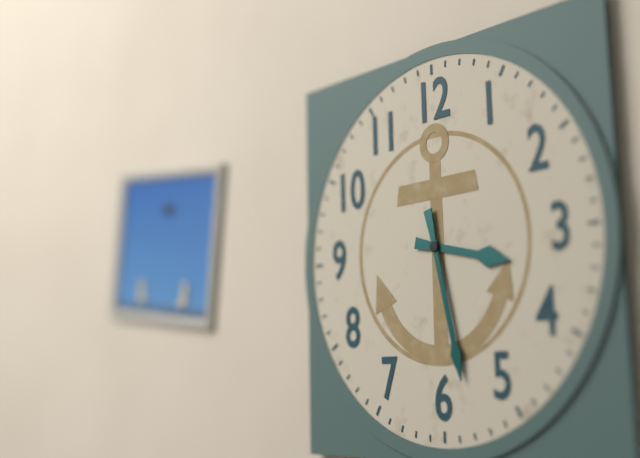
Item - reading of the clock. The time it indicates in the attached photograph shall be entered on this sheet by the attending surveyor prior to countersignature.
3:28
